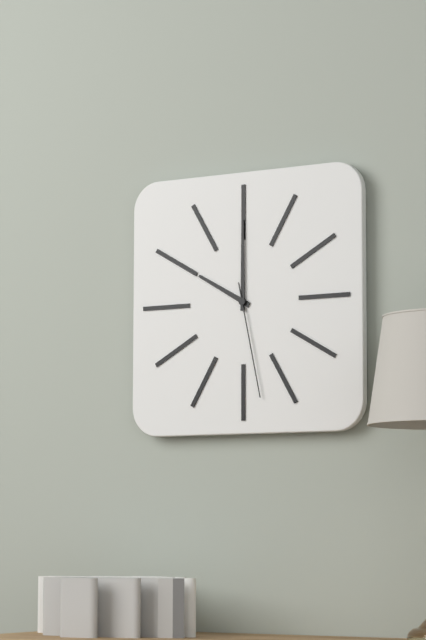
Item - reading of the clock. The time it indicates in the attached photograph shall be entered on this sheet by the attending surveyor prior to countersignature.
10:00:28
